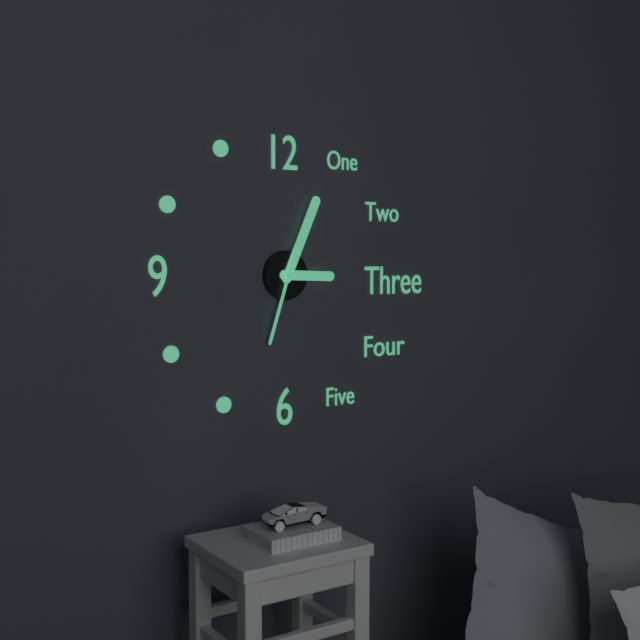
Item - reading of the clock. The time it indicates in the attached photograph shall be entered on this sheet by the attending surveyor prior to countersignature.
3:04:33
